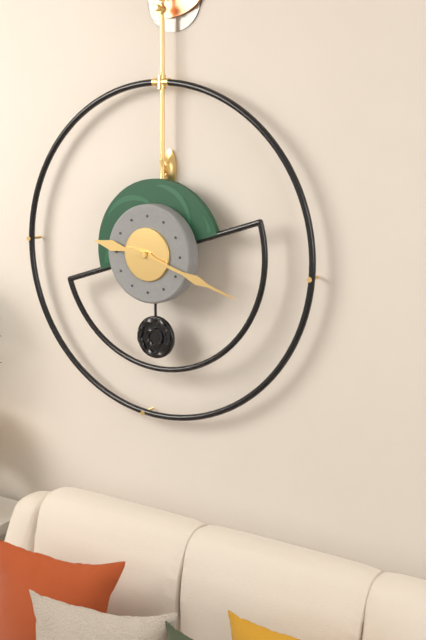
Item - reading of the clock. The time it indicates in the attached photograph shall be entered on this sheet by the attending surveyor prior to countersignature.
9:18
